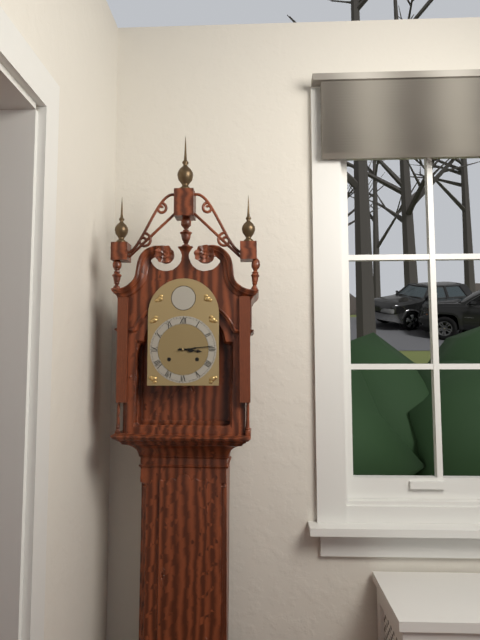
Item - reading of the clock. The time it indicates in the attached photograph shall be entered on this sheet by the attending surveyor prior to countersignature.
3:14
